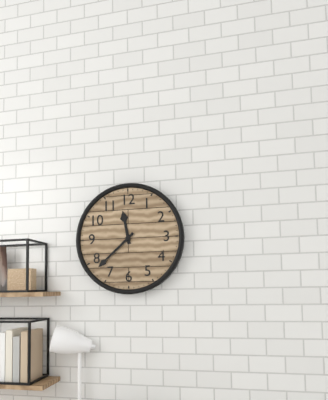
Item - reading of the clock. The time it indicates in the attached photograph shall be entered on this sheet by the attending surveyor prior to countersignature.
11:38
